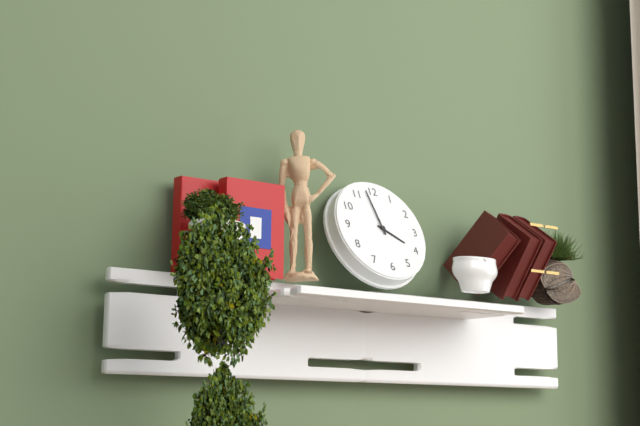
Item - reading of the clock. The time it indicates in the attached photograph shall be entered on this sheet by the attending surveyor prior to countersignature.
3:58
